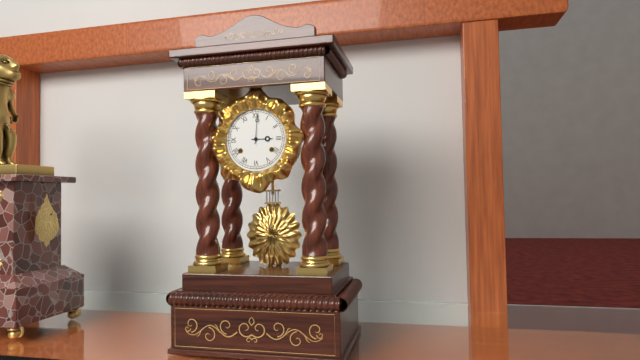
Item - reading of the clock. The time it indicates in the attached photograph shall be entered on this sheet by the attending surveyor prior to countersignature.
3:01
